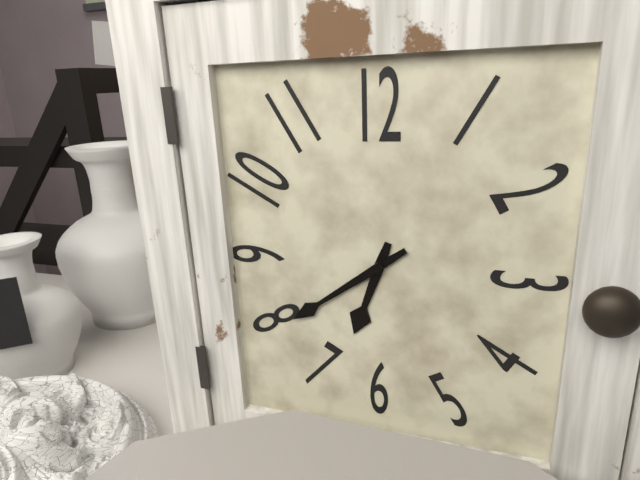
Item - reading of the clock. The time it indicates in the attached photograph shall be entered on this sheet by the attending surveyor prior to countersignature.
6:39
